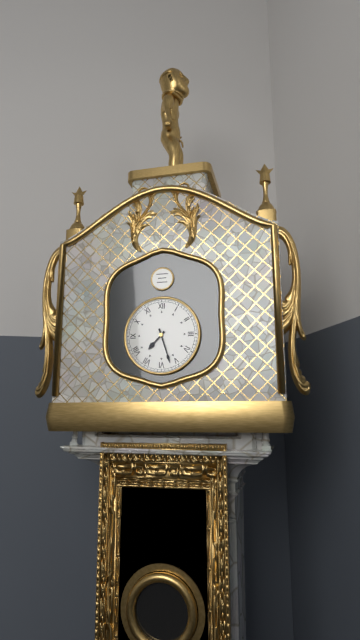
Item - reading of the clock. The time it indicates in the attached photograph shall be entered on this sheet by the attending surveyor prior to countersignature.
7:27
